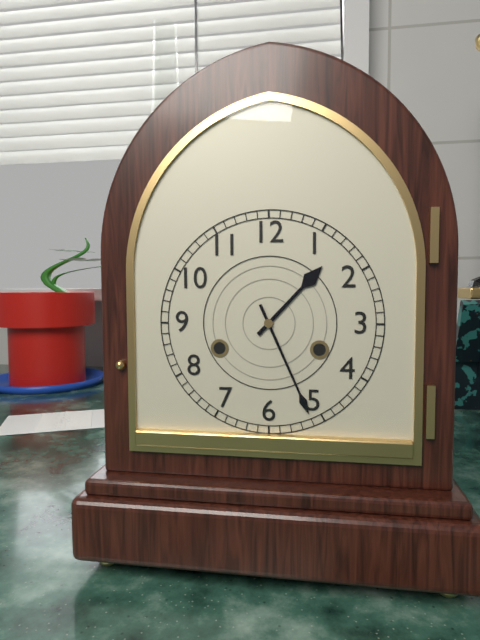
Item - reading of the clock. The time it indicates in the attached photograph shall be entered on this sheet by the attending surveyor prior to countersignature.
1:26
